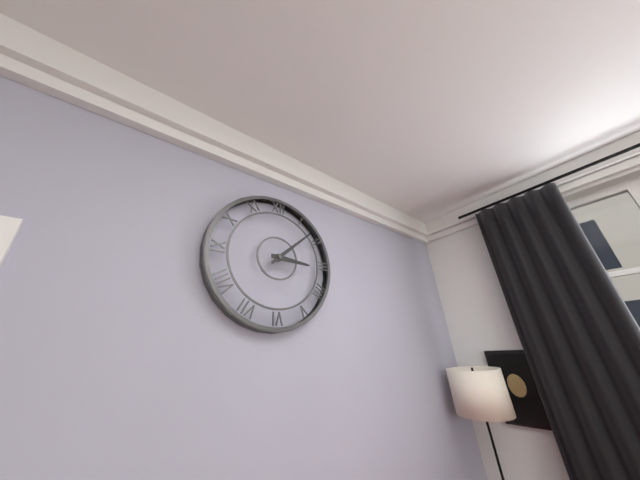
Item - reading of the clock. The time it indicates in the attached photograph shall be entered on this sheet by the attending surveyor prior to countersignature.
3:08
